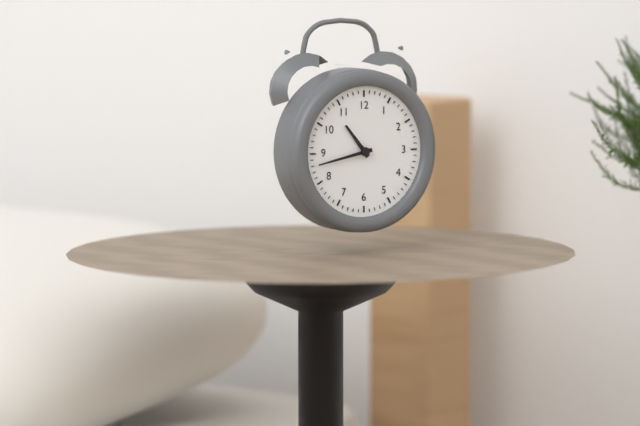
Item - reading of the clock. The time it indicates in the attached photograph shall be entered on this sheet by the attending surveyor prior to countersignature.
10:43
